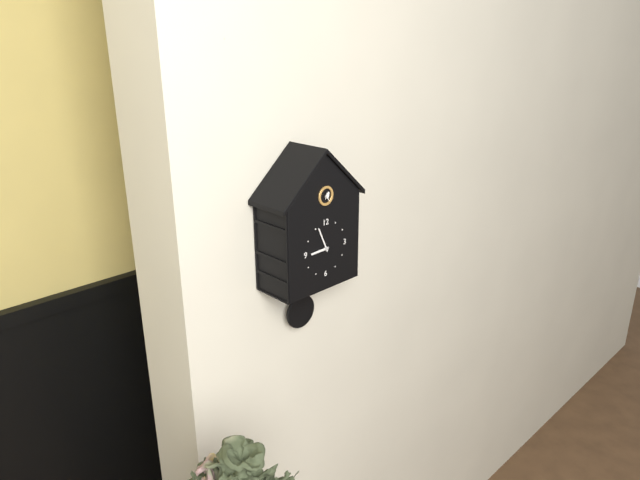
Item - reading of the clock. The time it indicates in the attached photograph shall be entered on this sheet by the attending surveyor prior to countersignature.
8:56
